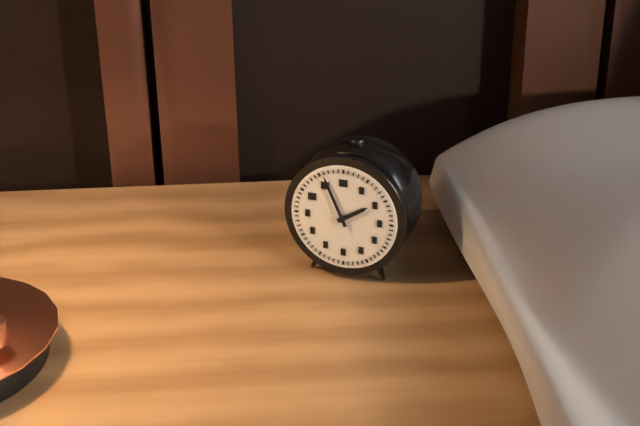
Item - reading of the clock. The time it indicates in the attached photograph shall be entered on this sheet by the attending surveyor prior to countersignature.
1:56
